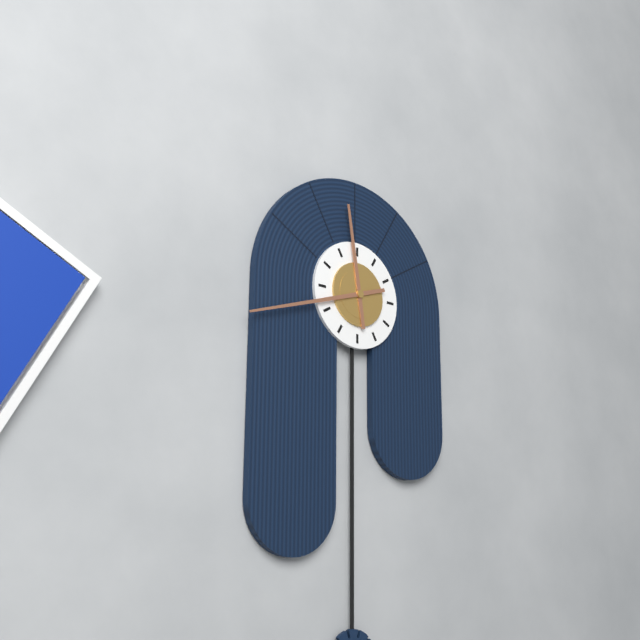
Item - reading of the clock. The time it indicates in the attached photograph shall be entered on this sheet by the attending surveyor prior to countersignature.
11:42
